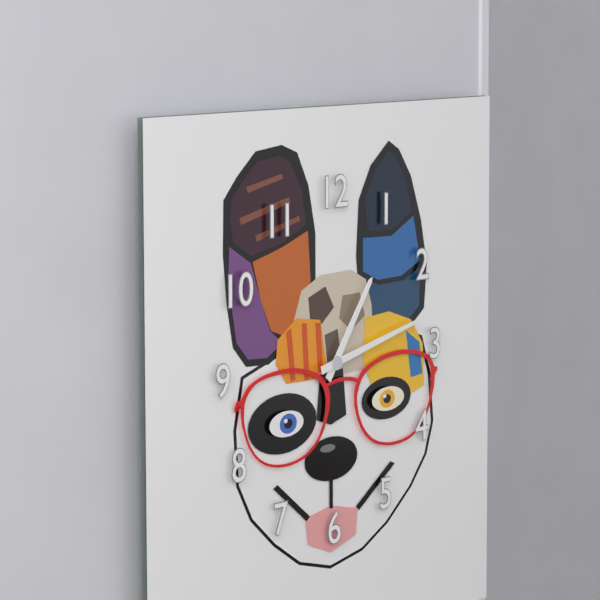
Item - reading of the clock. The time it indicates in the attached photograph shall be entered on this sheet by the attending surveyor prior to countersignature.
1:13
